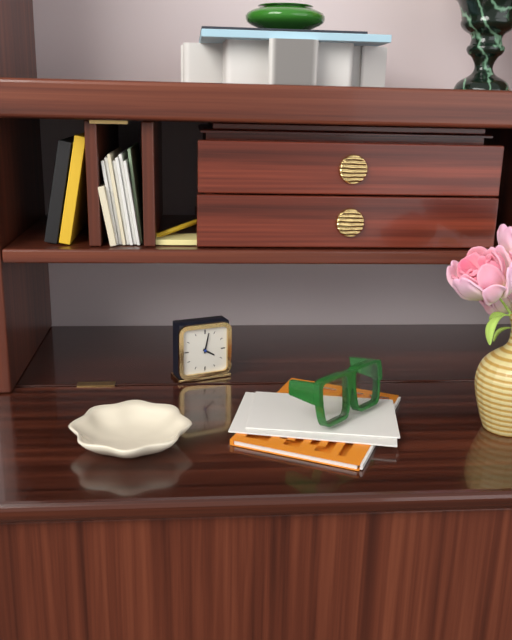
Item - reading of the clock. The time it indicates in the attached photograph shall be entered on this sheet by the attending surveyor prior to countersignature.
4:02
